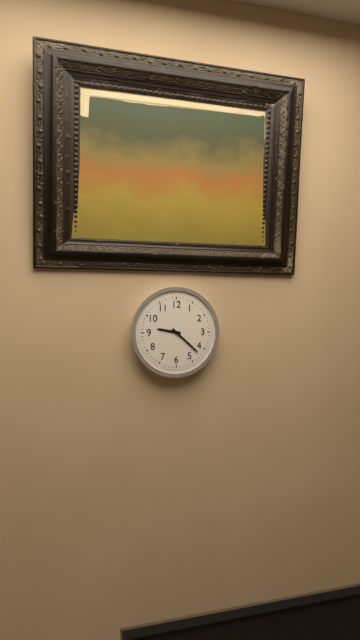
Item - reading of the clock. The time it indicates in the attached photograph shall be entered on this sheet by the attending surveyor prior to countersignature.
9:22
